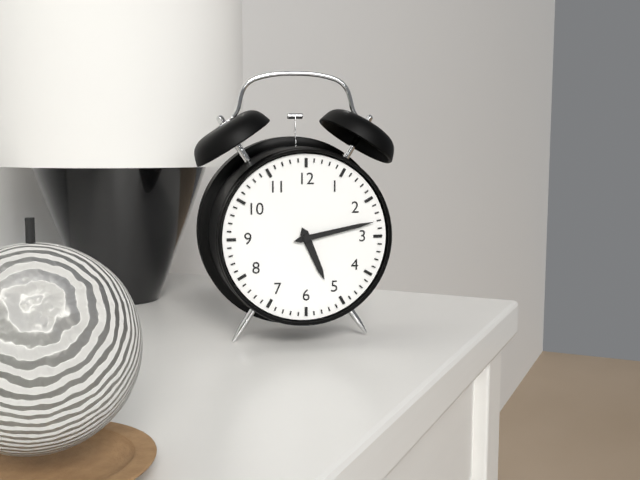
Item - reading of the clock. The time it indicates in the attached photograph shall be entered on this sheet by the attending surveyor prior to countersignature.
5:13
